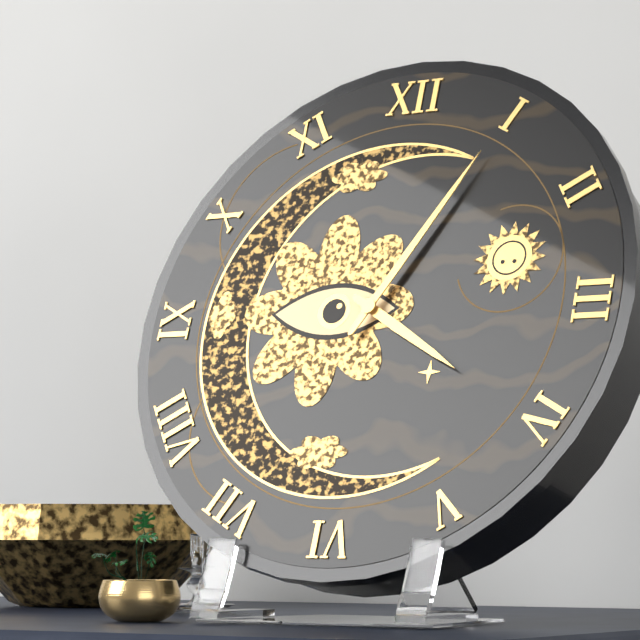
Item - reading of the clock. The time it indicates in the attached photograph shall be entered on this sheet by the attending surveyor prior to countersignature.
4:05
